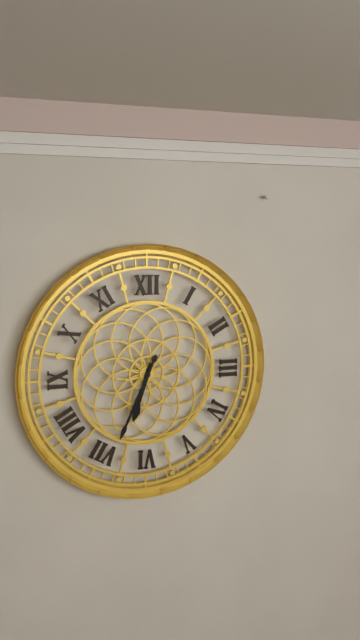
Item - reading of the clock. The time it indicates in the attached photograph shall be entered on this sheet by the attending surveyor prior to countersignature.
6:34
